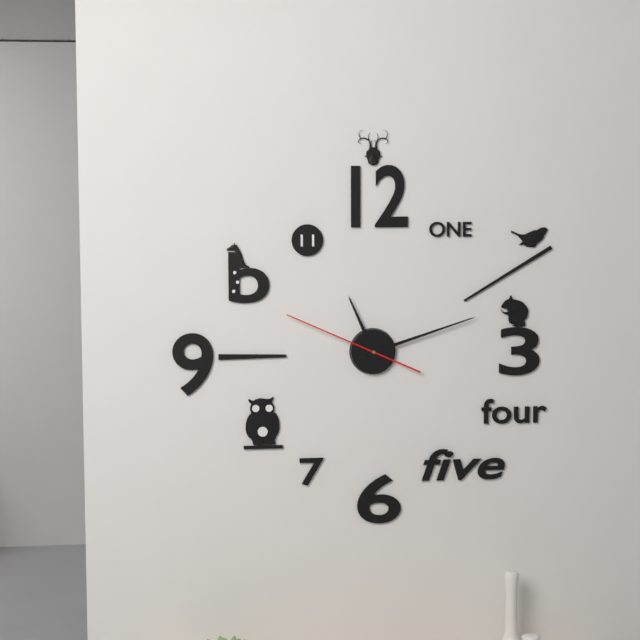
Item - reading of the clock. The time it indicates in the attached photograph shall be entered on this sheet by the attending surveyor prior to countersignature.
11:12:49
